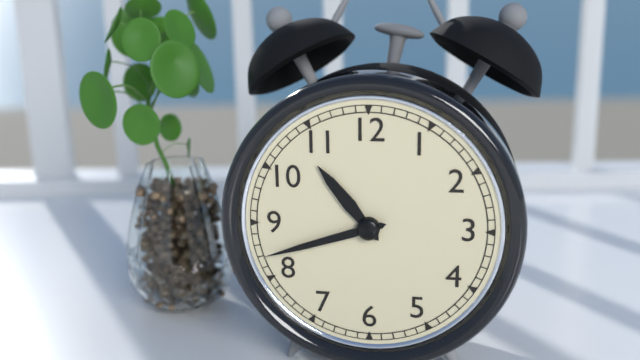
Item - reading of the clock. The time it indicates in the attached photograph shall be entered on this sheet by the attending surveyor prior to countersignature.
10:42
